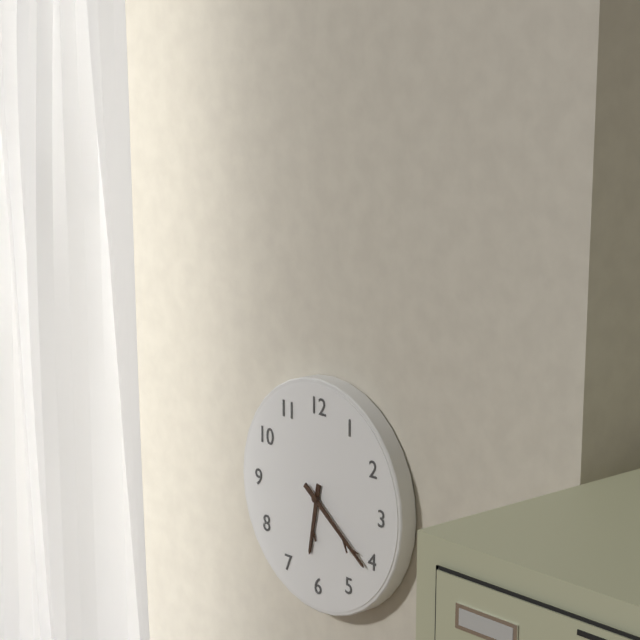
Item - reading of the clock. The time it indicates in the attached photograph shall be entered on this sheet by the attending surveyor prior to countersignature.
6:21
